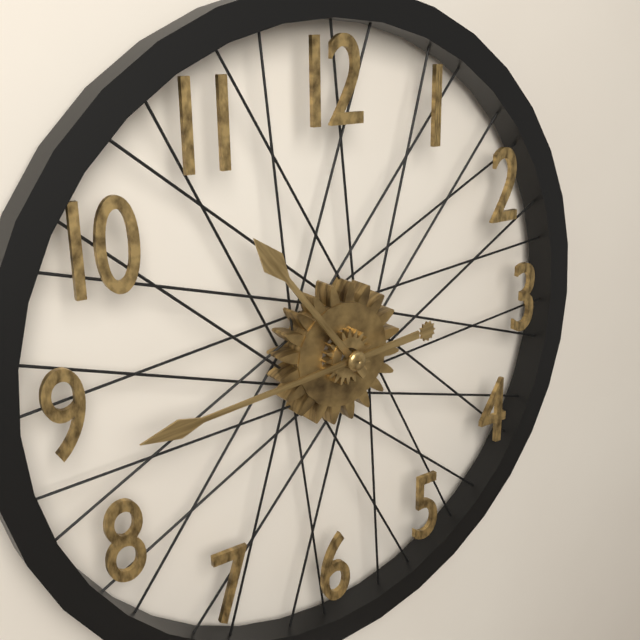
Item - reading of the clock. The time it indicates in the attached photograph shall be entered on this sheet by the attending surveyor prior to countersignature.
10:44
